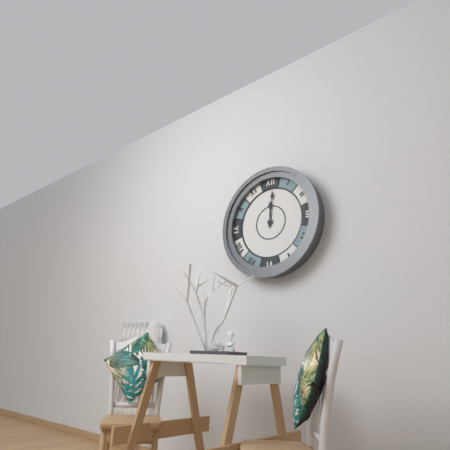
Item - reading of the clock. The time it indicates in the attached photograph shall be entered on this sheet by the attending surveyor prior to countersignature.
12:01
